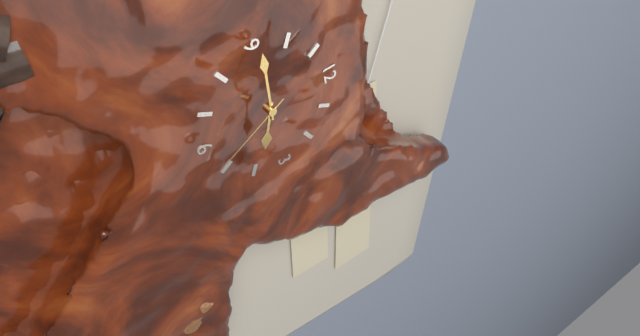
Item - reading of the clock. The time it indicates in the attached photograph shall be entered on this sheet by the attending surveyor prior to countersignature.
3:46:26
